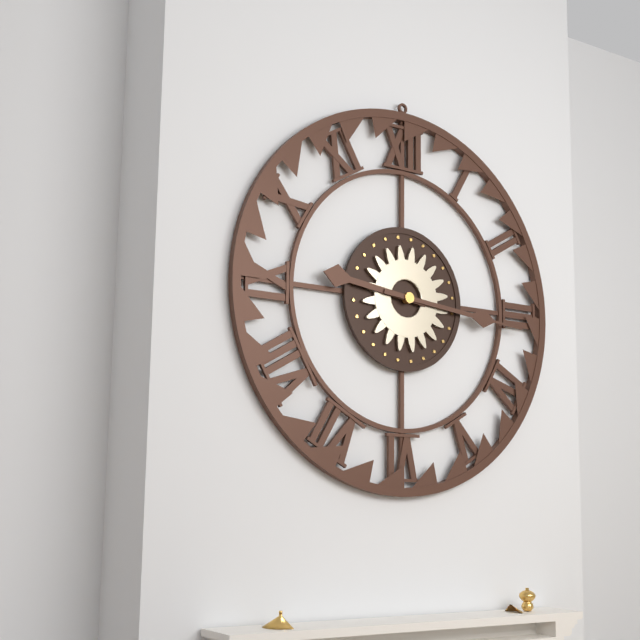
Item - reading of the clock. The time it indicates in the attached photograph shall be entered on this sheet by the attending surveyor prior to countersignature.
9:16
